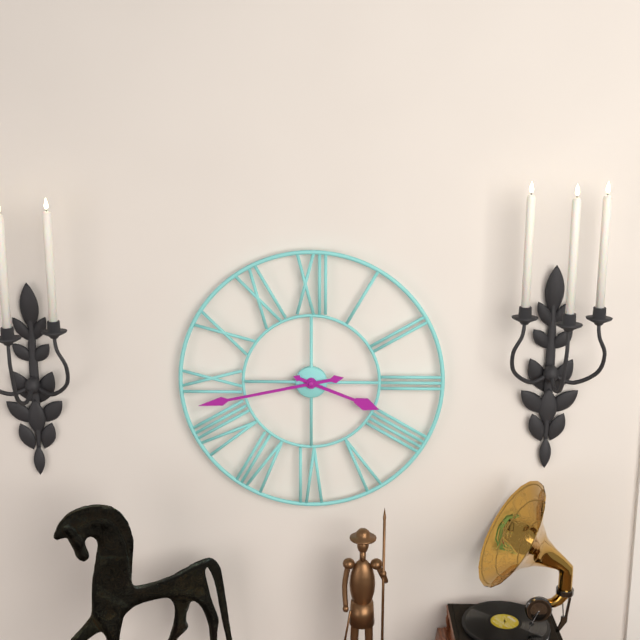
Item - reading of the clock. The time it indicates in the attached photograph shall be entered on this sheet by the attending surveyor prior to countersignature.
3:43
